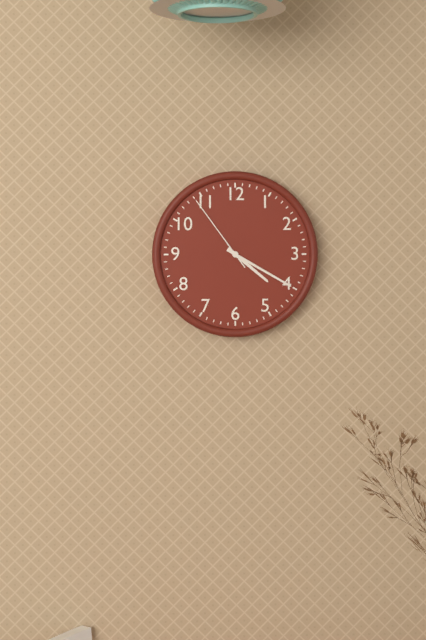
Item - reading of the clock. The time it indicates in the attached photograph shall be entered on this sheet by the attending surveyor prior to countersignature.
4:20:54
